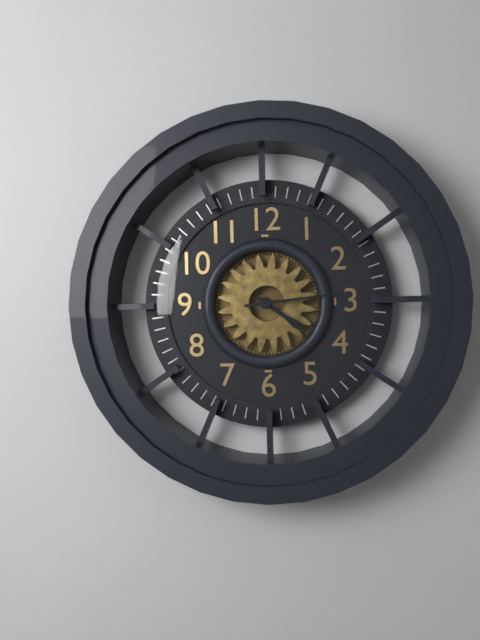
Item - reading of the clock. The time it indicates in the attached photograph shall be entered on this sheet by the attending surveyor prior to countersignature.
4:14
